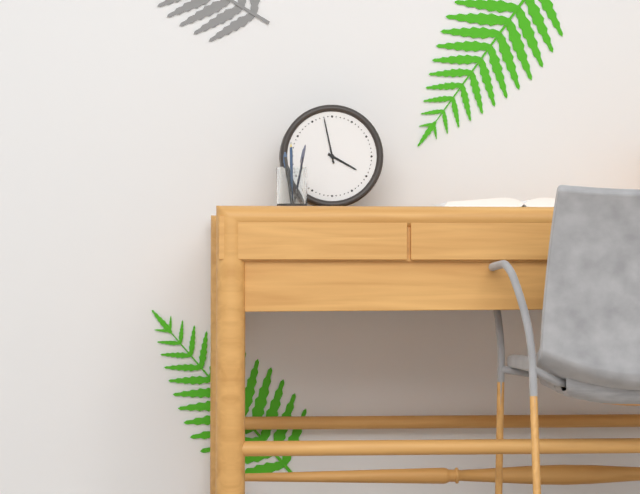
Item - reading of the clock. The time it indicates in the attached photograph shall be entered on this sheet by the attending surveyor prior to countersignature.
3:58
